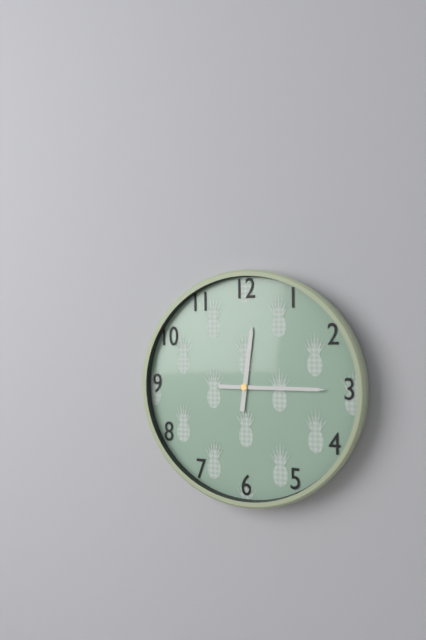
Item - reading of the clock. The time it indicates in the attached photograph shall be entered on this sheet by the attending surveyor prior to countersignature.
12:15
